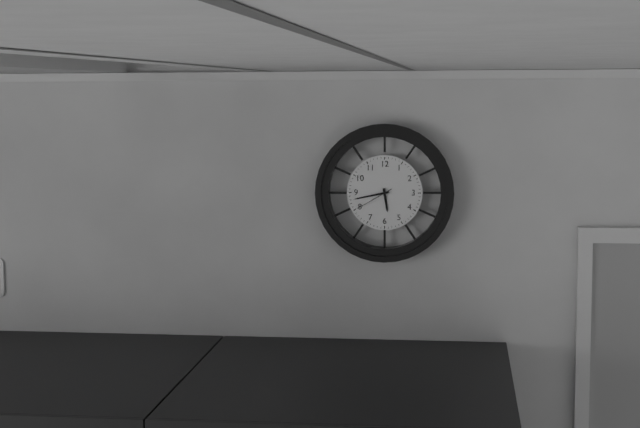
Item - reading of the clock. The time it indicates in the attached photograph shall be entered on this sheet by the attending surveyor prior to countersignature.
5:43
